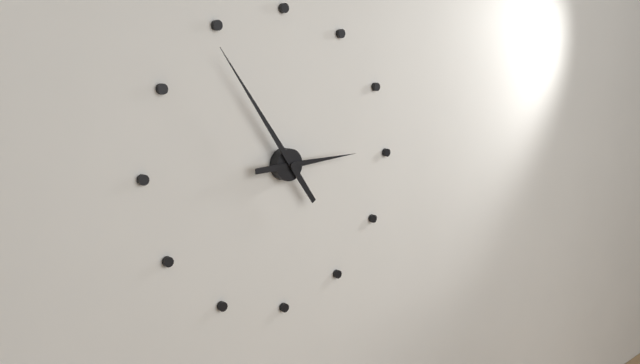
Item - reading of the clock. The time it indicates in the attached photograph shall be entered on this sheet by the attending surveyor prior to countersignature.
2:54
